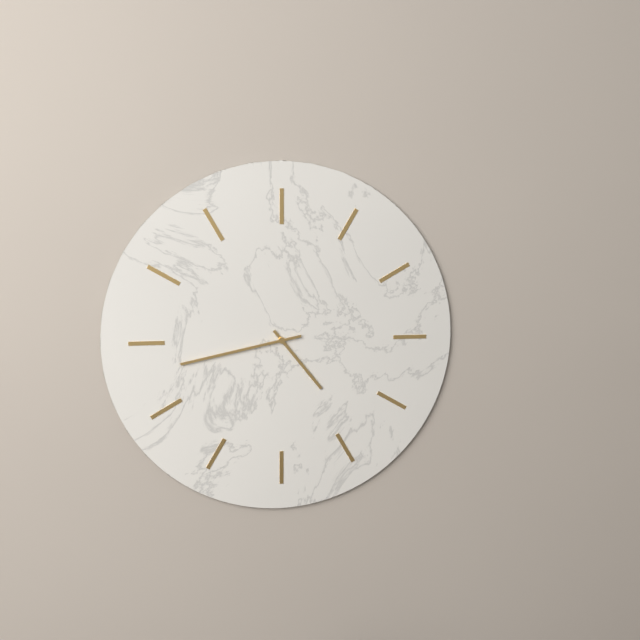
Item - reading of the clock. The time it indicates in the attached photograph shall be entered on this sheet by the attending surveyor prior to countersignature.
4:43
